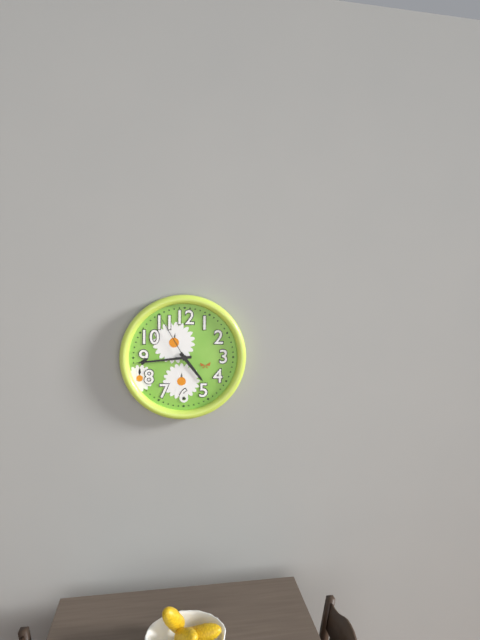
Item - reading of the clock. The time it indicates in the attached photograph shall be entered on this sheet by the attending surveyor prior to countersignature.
4:44:55
